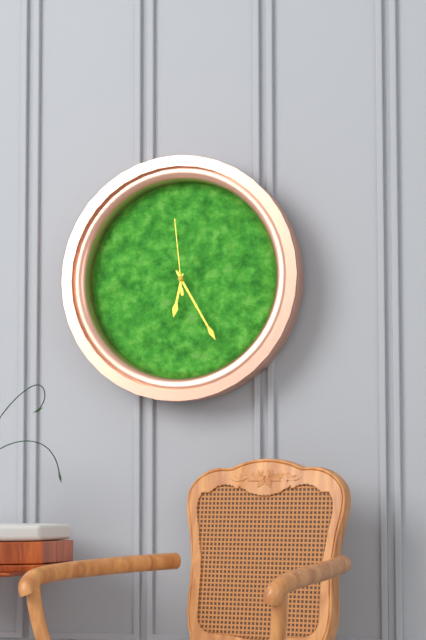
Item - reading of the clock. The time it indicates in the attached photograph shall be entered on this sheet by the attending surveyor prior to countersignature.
6:25:59
